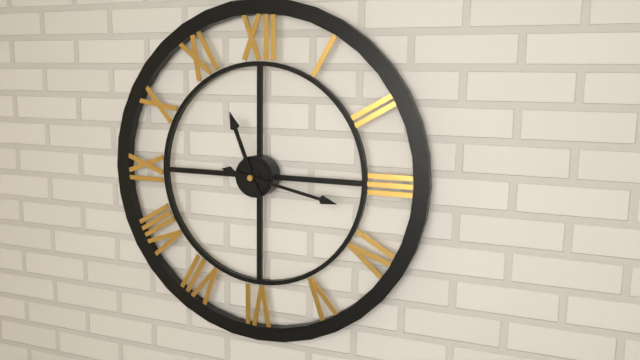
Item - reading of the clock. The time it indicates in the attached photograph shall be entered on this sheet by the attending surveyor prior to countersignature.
11:17
